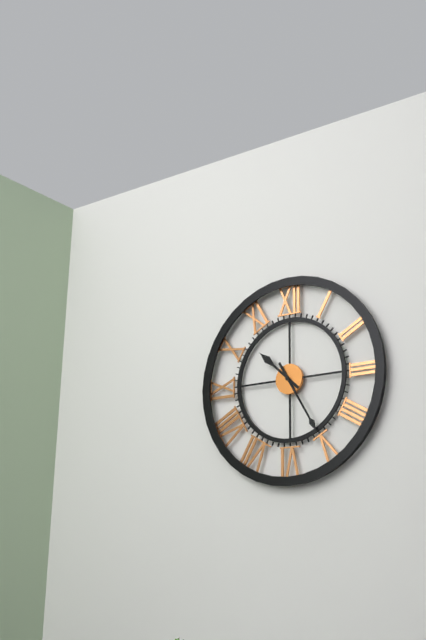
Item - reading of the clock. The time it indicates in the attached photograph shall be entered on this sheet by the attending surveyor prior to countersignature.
10:25
